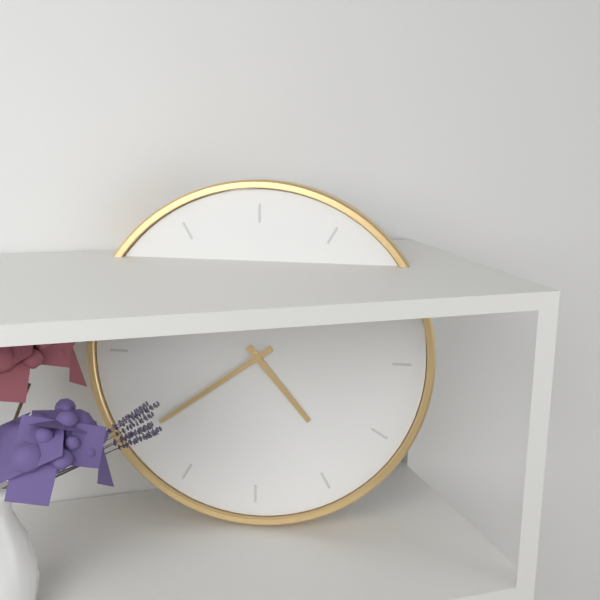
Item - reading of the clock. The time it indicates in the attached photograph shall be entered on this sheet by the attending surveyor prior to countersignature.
4:39
